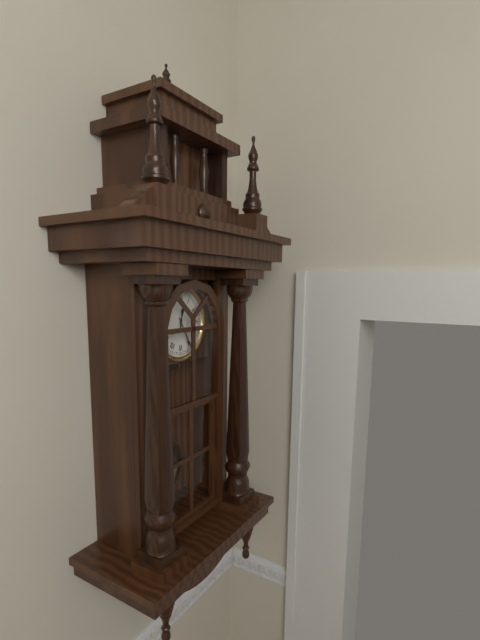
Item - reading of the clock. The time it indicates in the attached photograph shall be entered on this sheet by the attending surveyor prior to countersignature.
12:25
